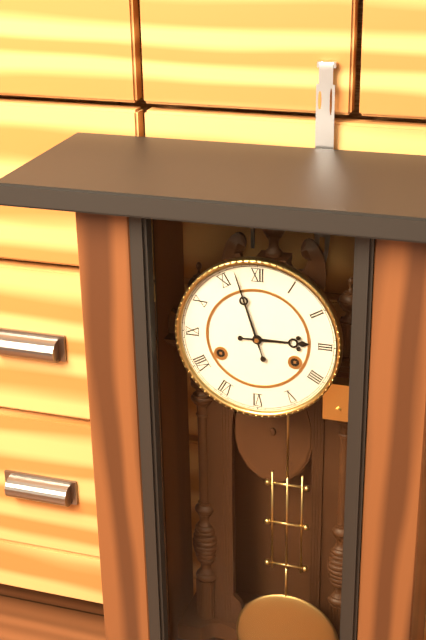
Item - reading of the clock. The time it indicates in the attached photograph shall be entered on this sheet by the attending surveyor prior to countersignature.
2:57
